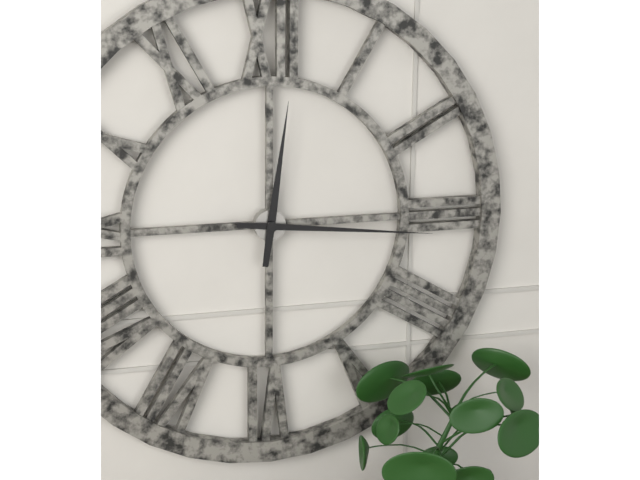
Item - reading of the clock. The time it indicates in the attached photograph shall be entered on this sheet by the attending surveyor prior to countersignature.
12:16
